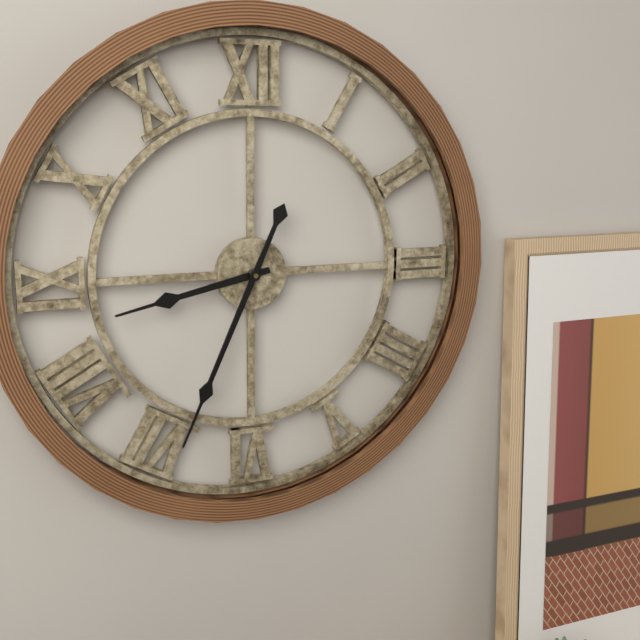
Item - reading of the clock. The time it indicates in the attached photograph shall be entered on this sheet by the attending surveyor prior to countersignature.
8:34
